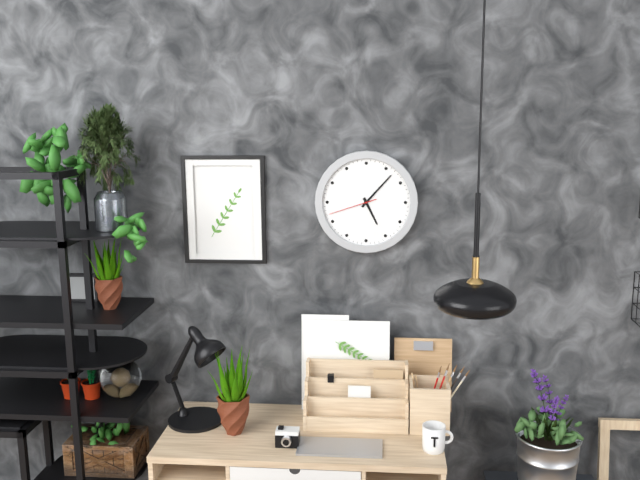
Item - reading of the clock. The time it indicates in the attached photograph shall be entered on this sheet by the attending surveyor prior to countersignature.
5:07
